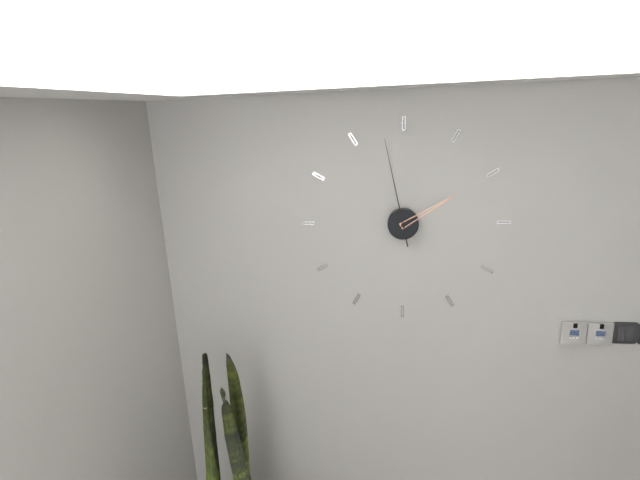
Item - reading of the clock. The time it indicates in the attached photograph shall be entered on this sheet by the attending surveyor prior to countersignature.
1:58
